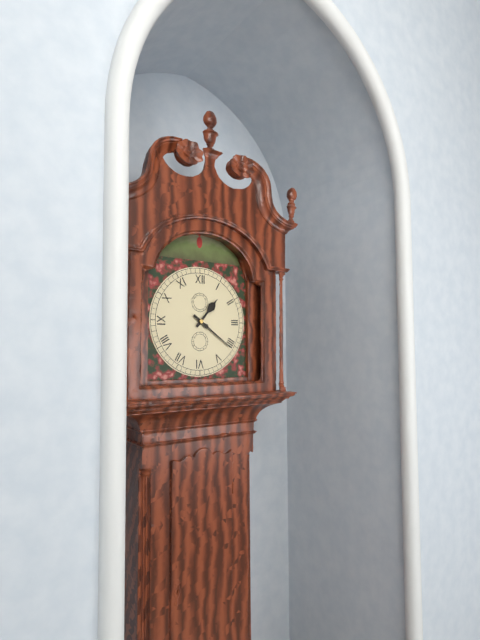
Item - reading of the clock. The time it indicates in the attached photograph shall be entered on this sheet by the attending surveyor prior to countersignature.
1:21
